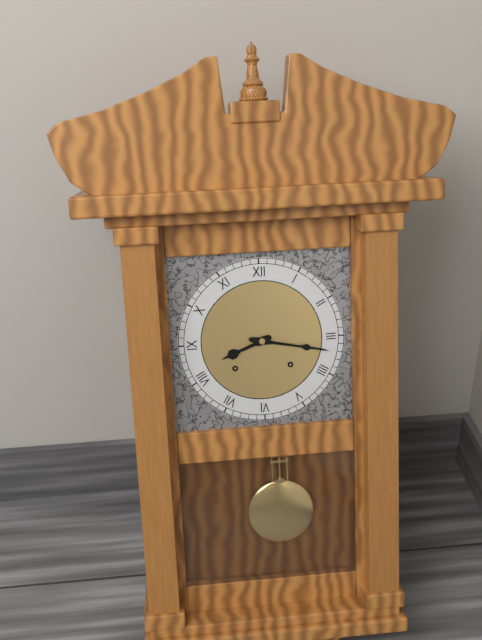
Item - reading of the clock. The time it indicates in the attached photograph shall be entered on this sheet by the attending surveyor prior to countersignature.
8:17
